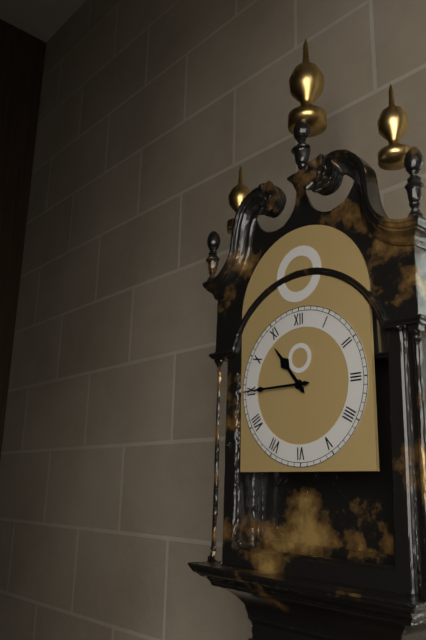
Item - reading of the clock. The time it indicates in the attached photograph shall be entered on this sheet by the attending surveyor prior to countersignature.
10:45
